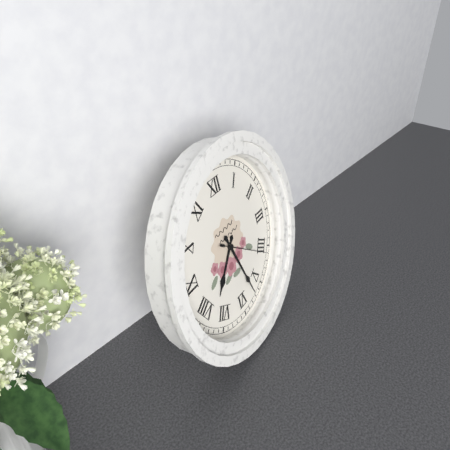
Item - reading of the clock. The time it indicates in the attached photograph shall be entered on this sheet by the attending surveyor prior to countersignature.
7:27
